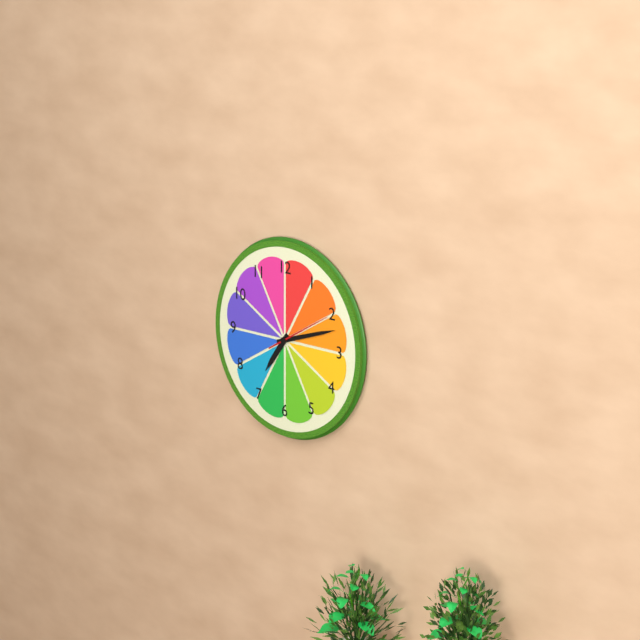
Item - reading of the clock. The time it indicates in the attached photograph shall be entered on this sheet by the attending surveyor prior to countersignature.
7:12:10
